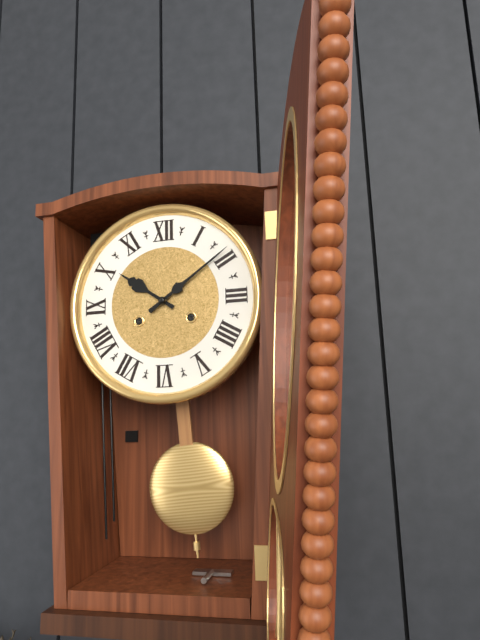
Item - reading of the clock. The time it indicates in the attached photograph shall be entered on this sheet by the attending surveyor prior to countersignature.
10:09
